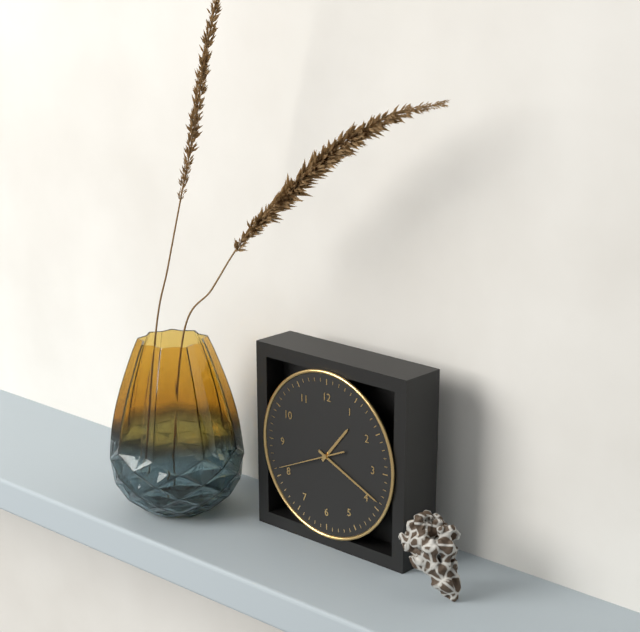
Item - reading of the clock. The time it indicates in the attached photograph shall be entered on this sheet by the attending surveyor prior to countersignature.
1:19:41
